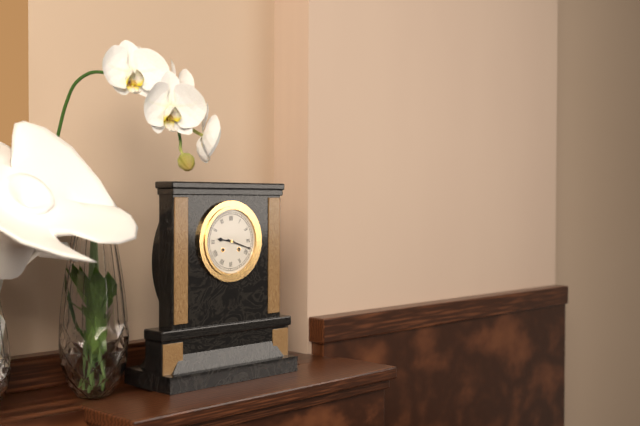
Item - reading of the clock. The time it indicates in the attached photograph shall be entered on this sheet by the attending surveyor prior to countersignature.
9:18
